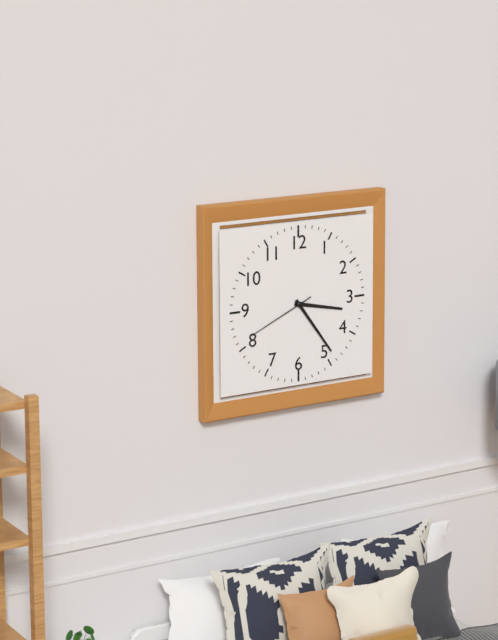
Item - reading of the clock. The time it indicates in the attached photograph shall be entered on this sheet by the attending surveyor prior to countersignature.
3:24:41
